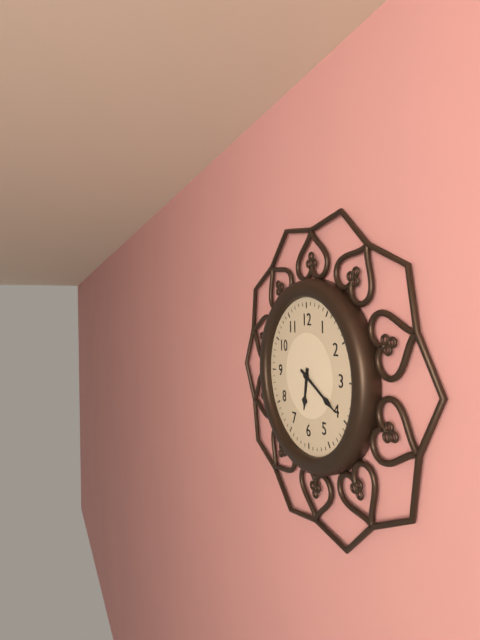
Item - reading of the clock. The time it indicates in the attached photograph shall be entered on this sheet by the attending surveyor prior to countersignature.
6:20
